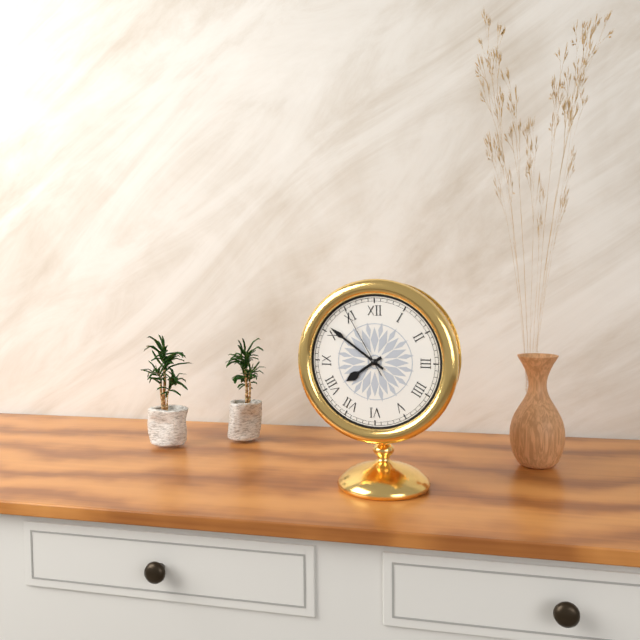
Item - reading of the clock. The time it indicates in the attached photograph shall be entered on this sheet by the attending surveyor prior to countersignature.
7:51:55
